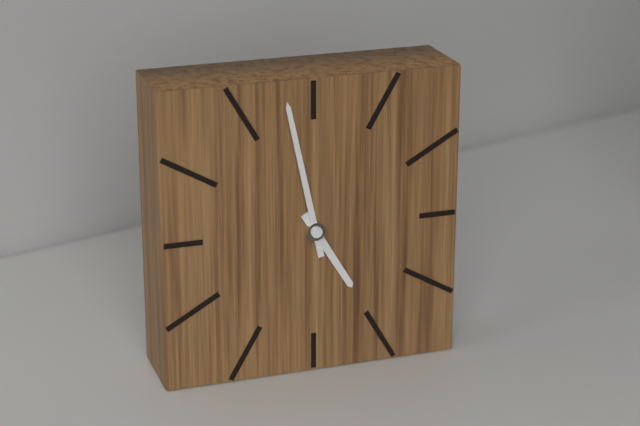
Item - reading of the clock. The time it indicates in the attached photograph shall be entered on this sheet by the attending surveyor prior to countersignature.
4:58
